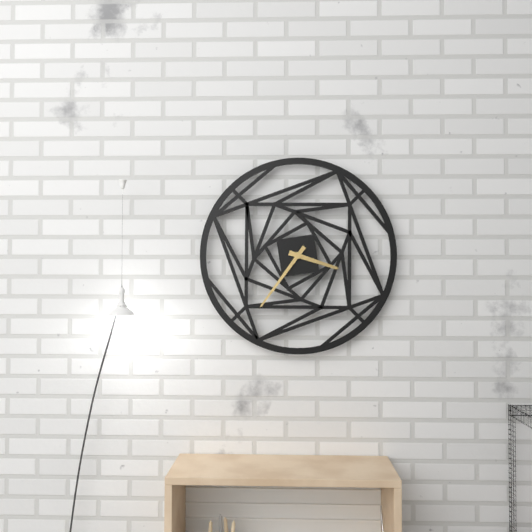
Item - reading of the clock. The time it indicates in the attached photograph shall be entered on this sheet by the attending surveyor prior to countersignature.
3:36
